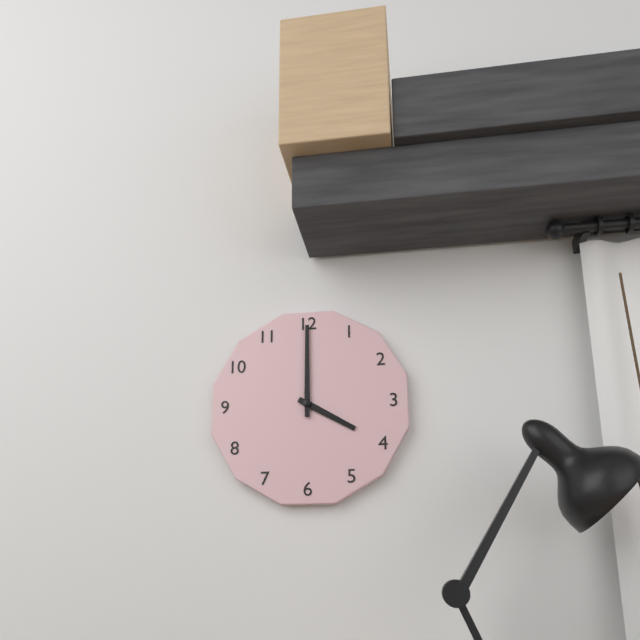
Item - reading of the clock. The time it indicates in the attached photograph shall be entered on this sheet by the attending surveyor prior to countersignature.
4:00
